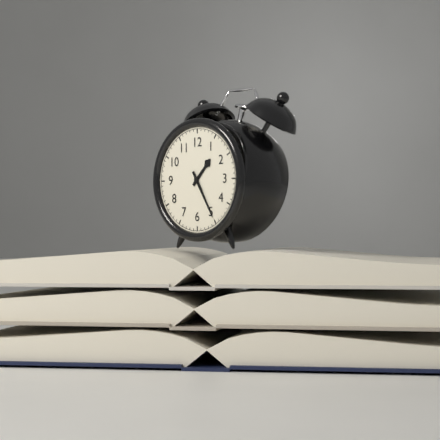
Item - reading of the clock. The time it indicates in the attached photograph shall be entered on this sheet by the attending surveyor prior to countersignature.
1:25
